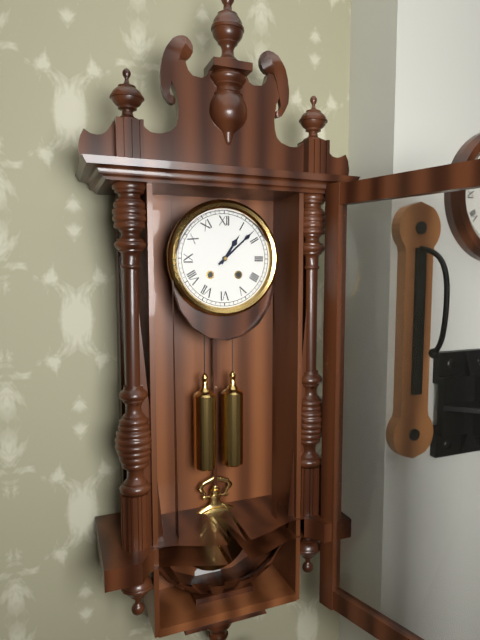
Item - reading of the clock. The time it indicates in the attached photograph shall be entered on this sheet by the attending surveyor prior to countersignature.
1:08
